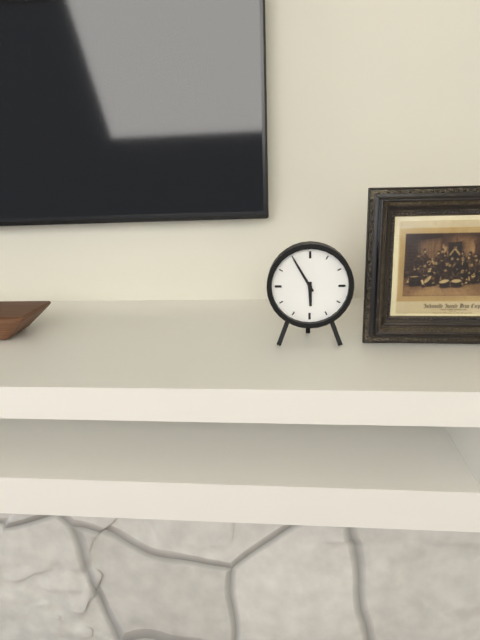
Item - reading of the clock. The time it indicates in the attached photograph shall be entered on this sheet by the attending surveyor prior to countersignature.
5:55
